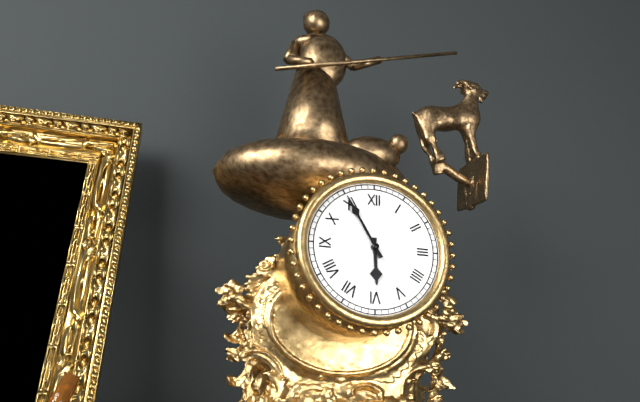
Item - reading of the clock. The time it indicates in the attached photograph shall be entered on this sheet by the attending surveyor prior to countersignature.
5:55
